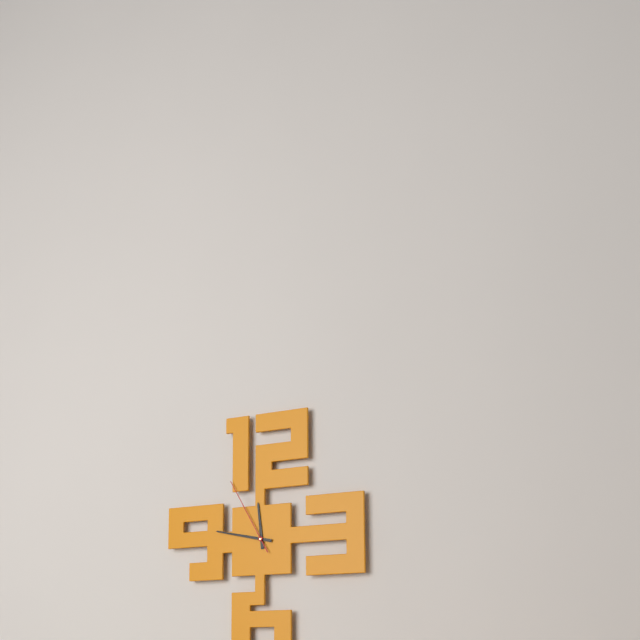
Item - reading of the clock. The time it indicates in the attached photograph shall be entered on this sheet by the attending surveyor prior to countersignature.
11:47:55
